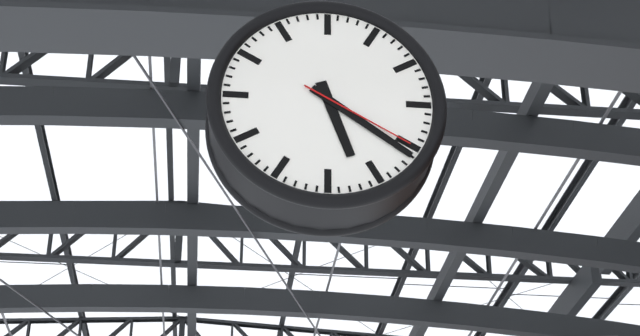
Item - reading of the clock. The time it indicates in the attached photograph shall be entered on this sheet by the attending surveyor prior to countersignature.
5:21:20
